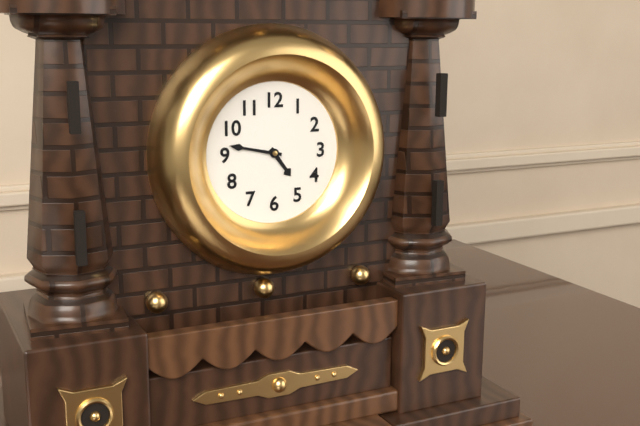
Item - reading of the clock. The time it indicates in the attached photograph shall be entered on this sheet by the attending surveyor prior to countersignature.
4:47
